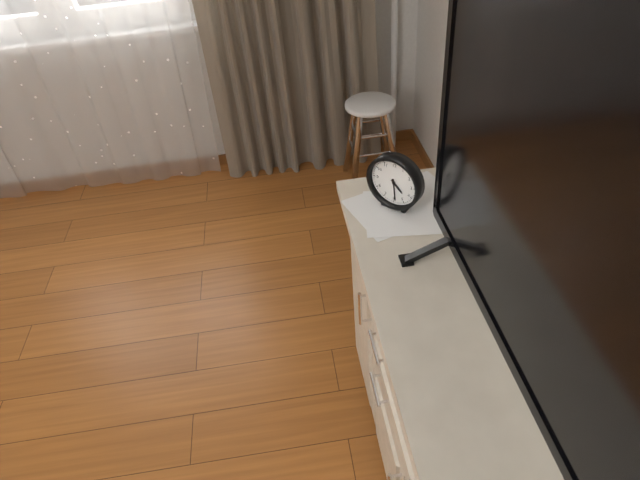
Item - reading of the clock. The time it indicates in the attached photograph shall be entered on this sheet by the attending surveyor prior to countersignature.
4:29
